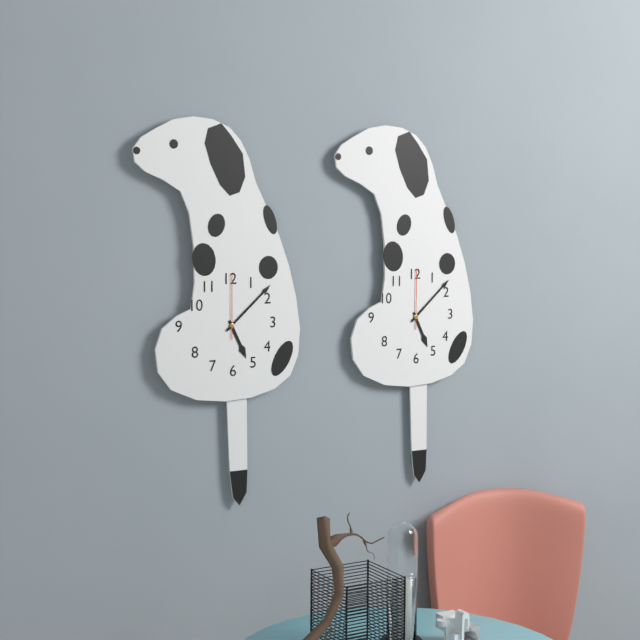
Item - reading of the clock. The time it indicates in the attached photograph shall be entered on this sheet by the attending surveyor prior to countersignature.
5:08:00
